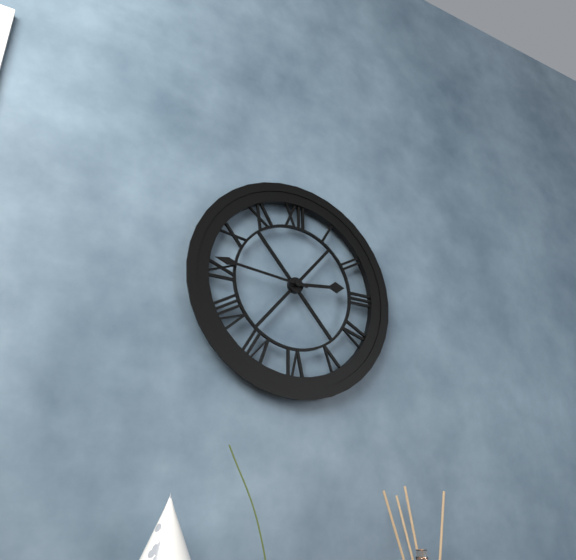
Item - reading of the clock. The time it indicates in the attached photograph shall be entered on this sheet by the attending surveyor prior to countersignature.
2:46
